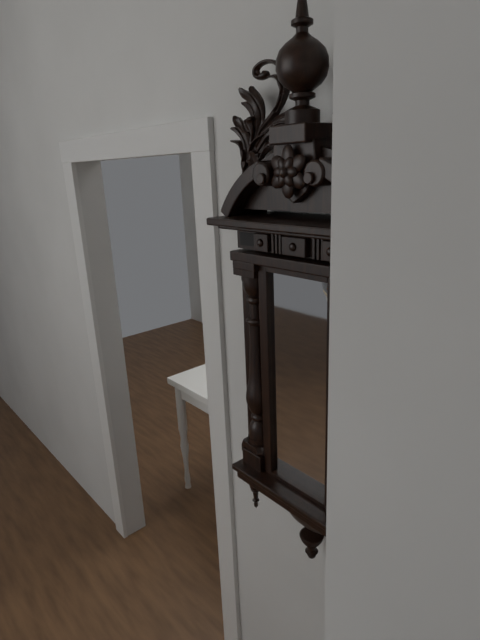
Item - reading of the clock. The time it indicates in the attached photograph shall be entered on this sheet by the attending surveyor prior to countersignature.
9:10
